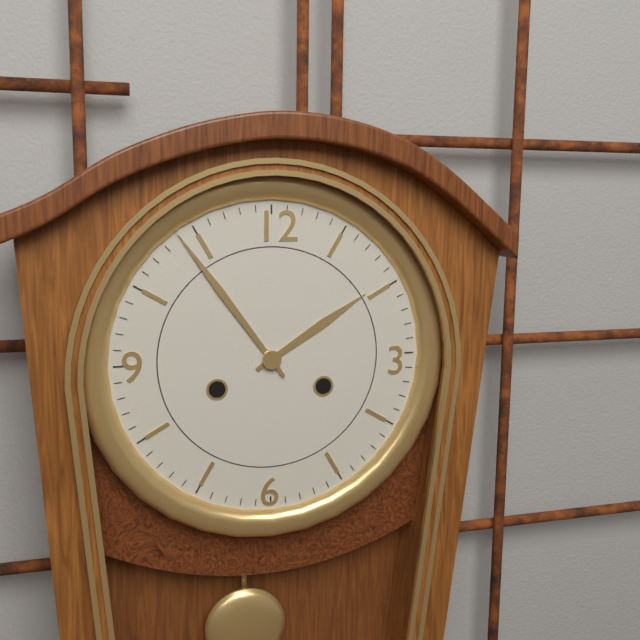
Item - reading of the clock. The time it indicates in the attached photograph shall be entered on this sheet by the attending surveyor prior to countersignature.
1:54
